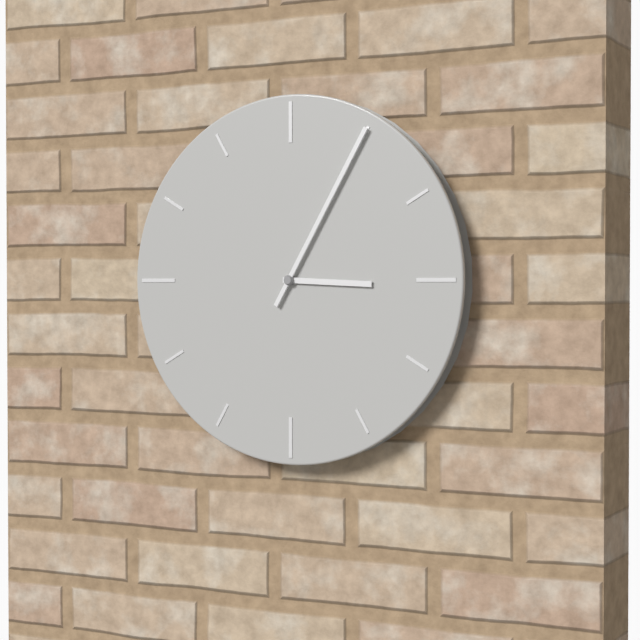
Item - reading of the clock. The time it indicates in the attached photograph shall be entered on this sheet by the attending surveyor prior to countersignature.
3:05
